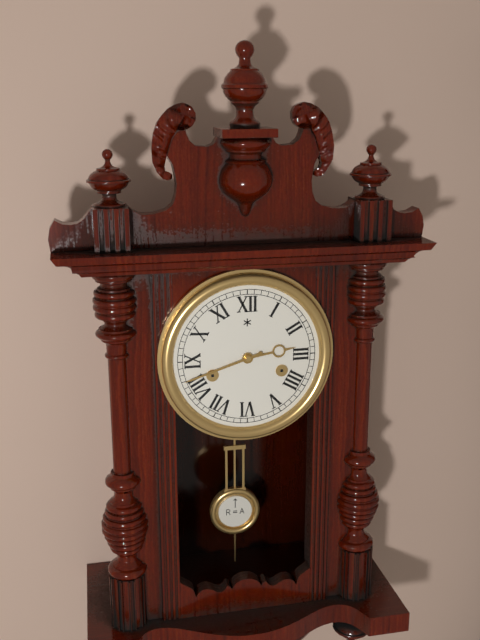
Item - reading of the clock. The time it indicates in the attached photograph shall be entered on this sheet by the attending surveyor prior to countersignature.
2:42
